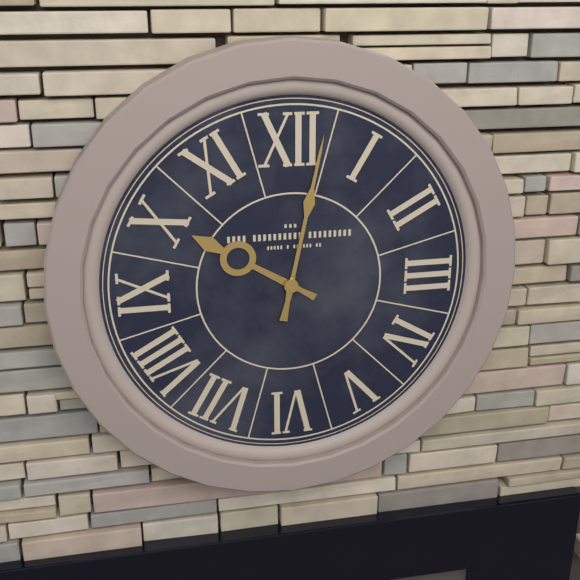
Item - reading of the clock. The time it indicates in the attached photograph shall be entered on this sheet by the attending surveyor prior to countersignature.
10:02
